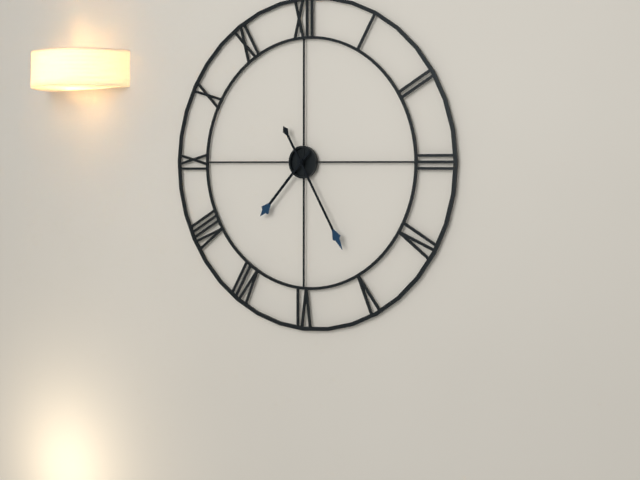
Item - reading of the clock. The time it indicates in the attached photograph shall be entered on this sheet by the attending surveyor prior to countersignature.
7:25
